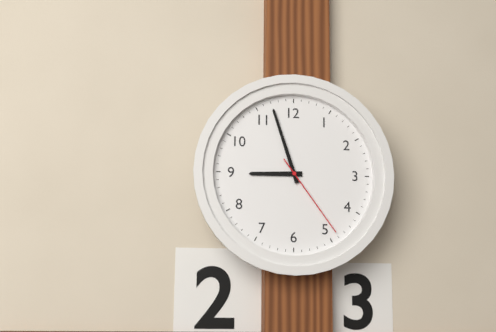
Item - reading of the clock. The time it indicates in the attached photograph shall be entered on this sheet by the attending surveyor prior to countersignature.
8:57:24
